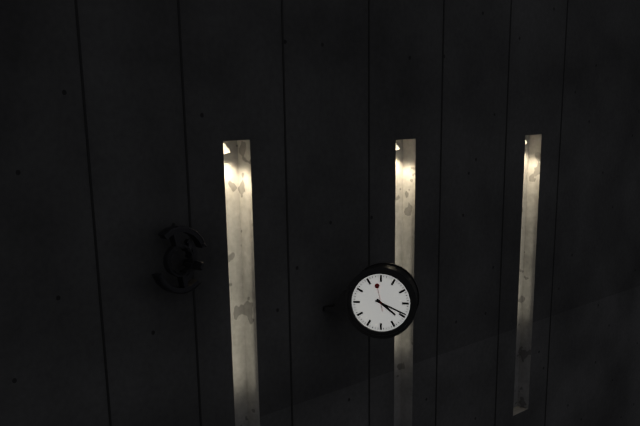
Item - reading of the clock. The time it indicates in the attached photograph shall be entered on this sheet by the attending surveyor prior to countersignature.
4:19
